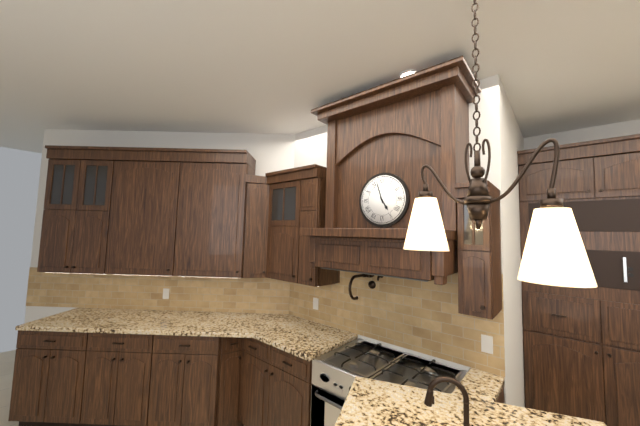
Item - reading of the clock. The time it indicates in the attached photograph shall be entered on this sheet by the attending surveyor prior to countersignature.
4:57
